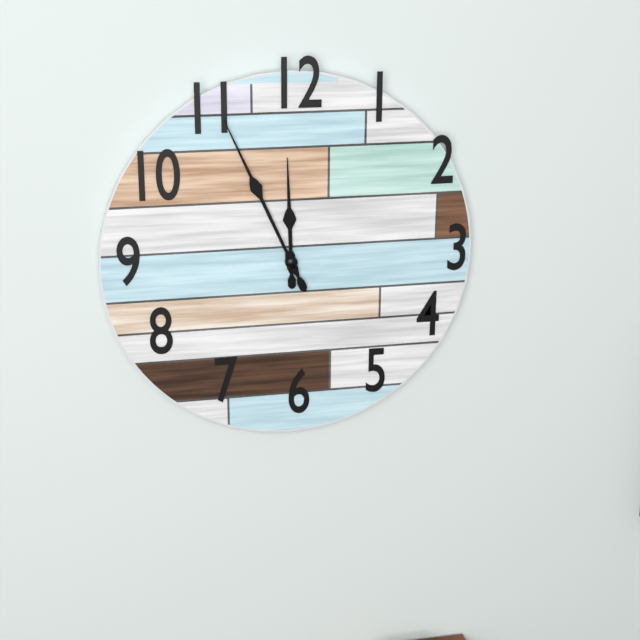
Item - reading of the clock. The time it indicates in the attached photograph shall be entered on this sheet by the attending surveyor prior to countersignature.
11:56
